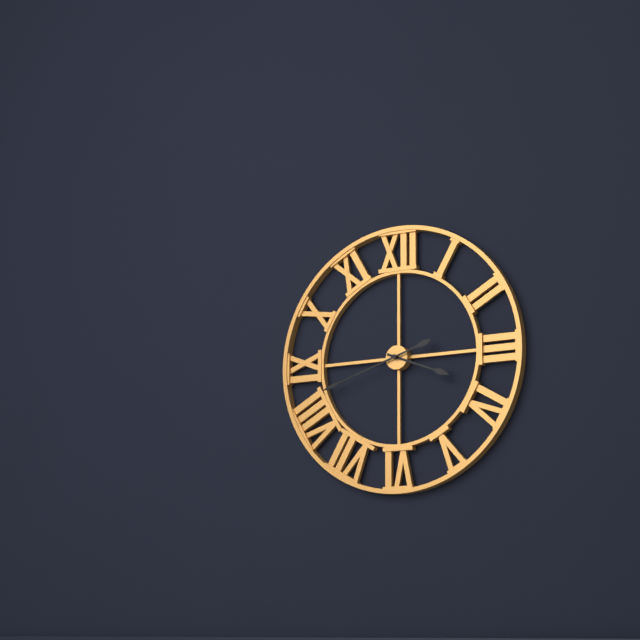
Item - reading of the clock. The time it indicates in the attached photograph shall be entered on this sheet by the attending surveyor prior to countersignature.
3:42
